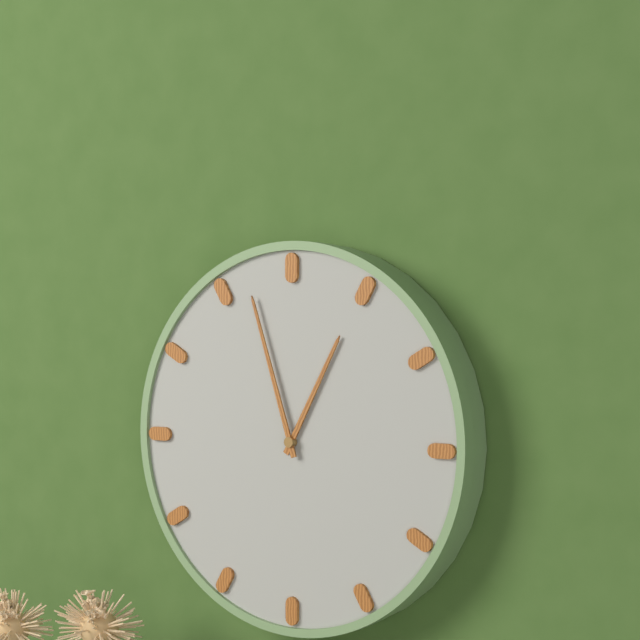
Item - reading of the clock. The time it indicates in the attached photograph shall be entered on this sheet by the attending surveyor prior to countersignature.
12:57
